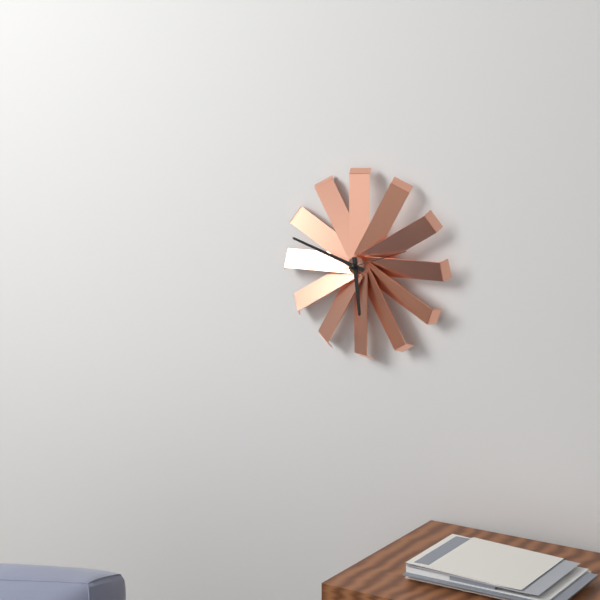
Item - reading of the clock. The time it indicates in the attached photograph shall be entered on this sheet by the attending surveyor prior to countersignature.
5:48:12
